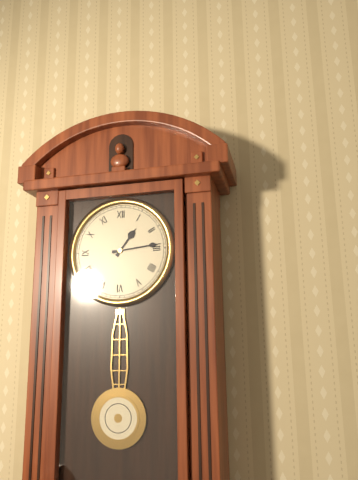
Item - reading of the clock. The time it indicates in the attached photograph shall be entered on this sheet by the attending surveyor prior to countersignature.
1:14
